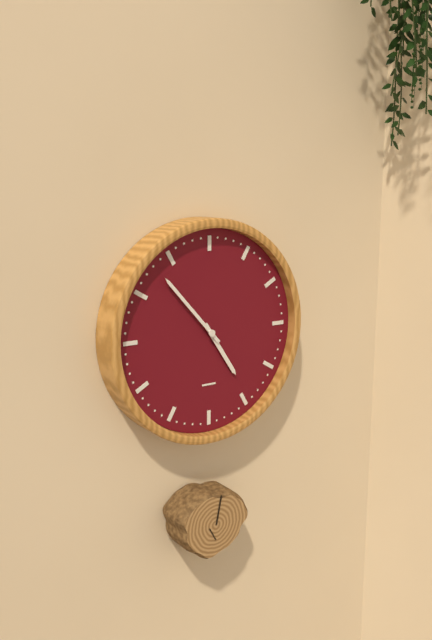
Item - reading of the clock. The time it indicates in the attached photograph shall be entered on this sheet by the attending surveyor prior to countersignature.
4:53
